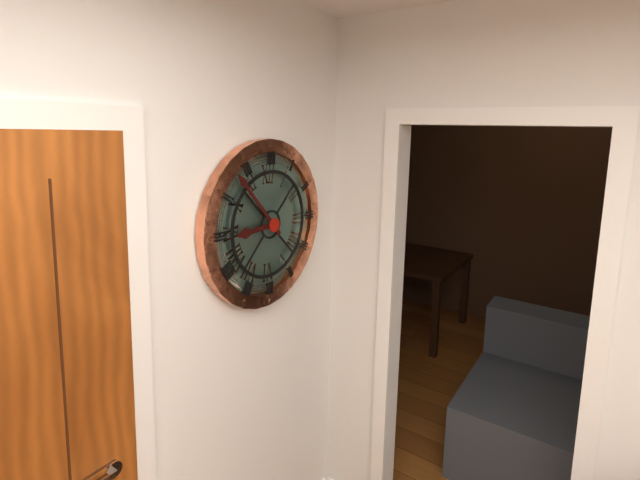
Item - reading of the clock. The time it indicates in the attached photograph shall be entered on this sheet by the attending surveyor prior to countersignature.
8:53
